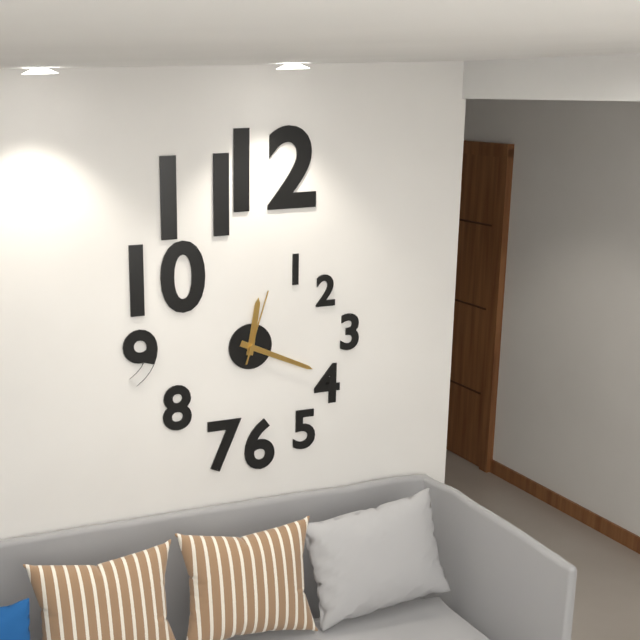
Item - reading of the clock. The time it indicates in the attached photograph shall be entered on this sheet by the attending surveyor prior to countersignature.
12:19:03
